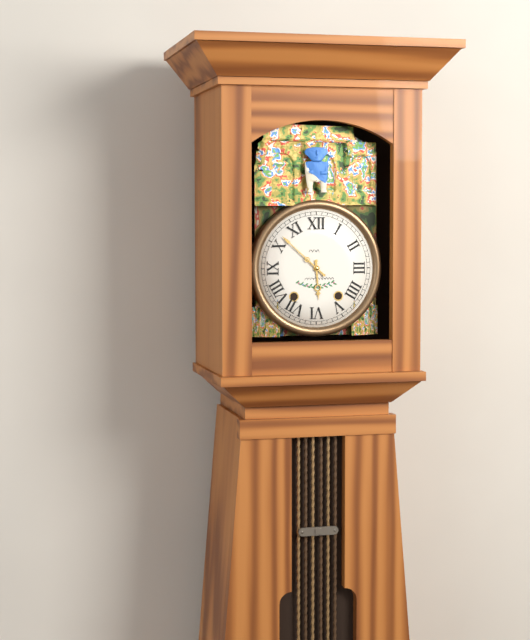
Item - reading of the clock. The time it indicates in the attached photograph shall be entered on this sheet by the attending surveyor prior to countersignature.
5:52
